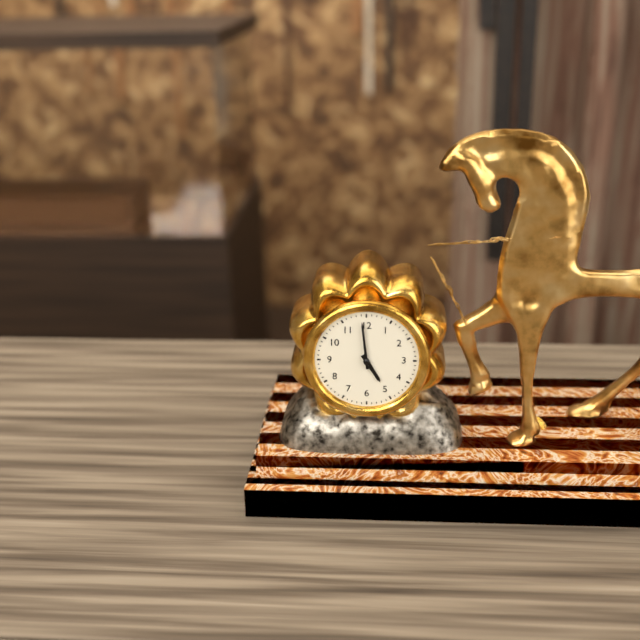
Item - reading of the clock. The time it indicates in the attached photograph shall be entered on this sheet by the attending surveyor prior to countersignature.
4:59
